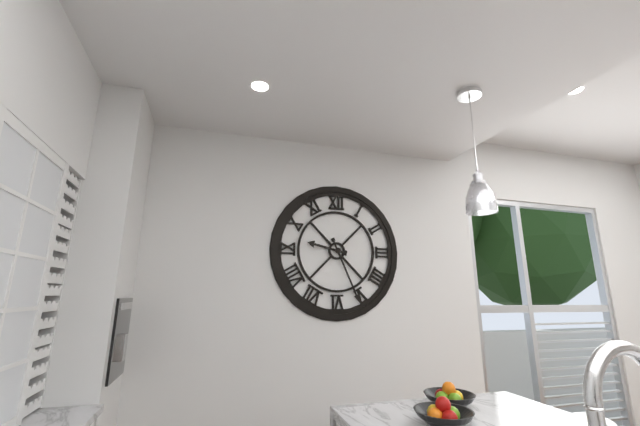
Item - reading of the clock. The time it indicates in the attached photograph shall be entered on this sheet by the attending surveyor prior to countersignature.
9:26
